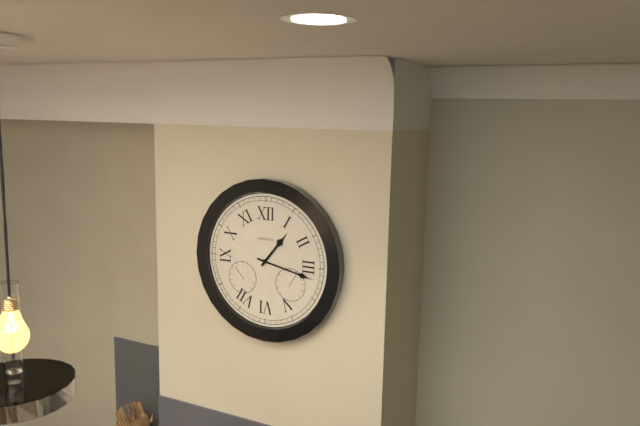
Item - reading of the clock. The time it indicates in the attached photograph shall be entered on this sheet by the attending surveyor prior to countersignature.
1:17
